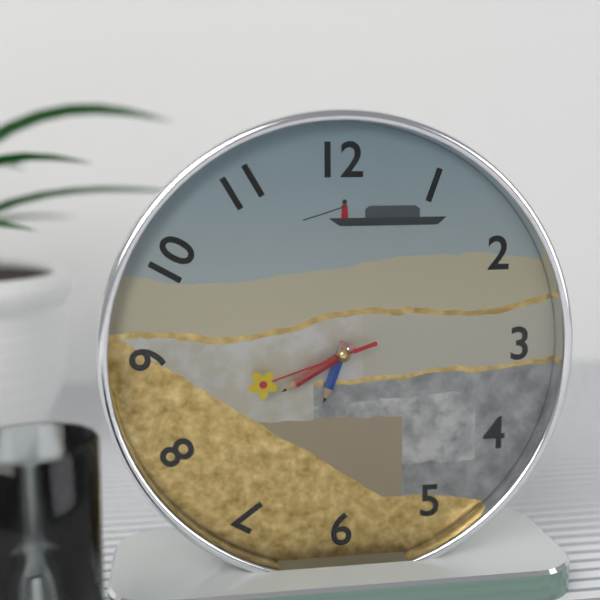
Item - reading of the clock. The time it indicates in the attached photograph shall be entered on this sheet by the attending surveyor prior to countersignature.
6:40:42
